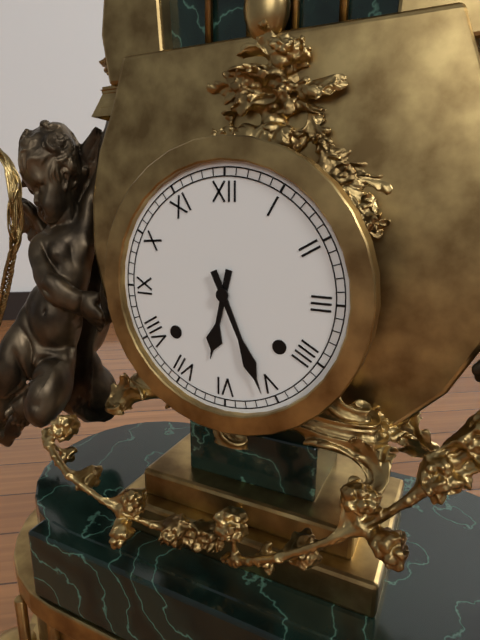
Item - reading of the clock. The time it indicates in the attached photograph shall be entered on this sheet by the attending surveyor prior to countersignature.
6:26
